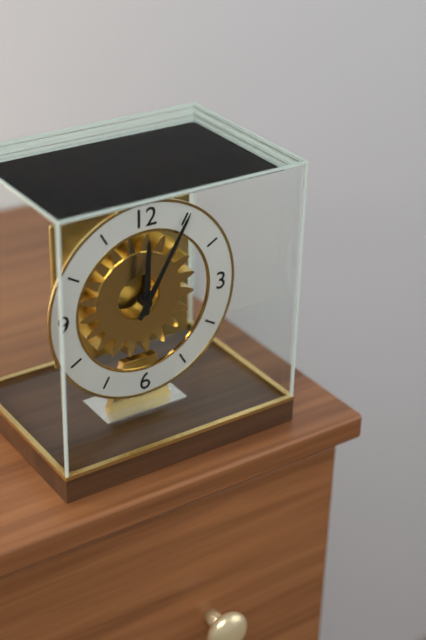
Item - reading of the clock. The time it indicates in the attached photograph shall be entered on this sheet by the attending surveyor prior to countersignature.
12:05
